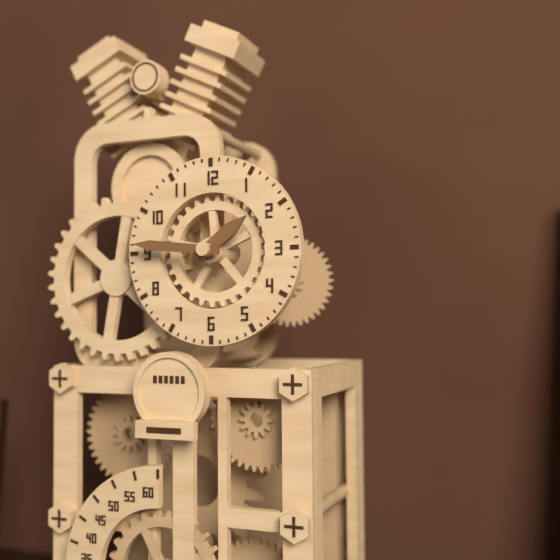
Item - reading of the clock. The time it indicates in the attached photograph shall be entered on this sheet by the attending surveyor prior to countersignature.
1:46
